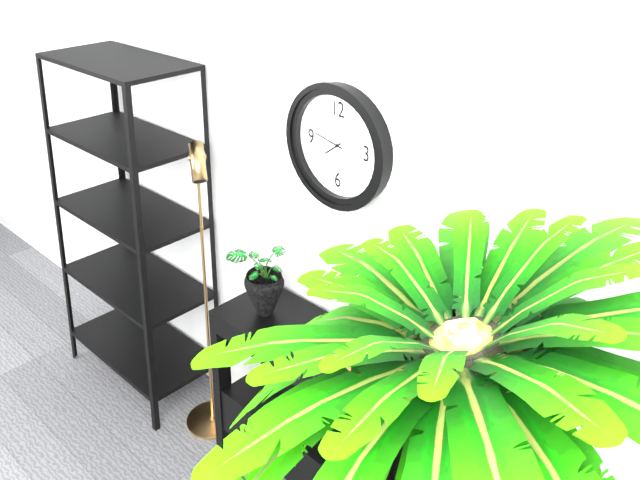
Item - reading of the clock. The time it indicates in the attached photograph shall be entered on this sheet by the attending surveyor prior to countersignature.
7:47
